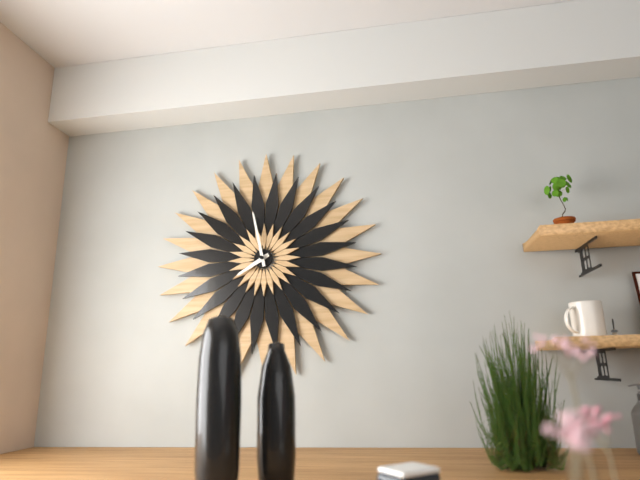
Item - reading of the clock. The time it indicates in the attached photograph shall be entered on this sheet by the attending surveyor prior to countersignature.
7:58
